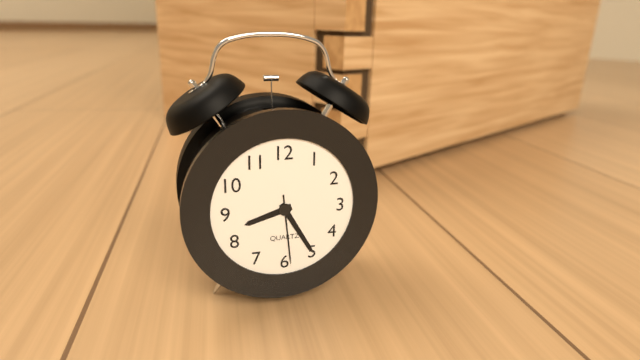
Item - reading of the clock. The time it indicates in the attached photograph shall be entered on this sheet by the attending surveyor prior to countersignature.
8:25:29
